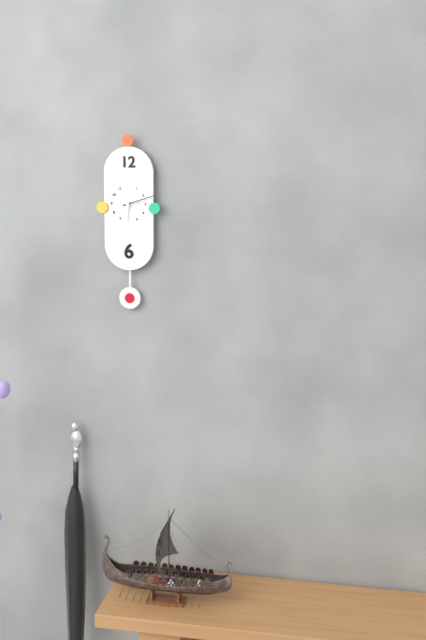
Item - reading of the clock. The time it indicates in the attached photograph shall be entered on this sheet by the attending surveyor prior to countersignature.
6:12
